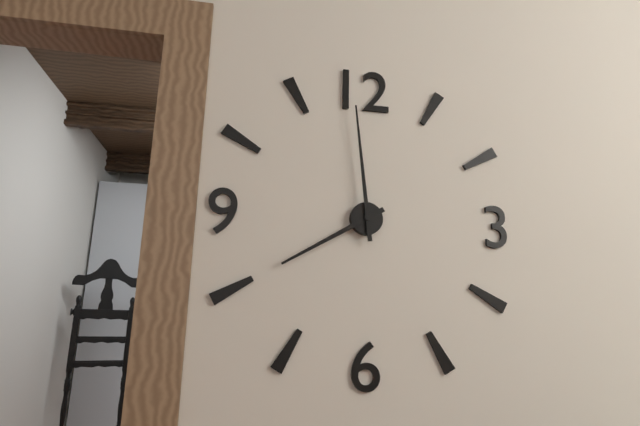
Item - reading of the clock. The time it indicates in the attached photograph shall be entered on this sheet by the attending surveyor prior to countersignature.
7:59
